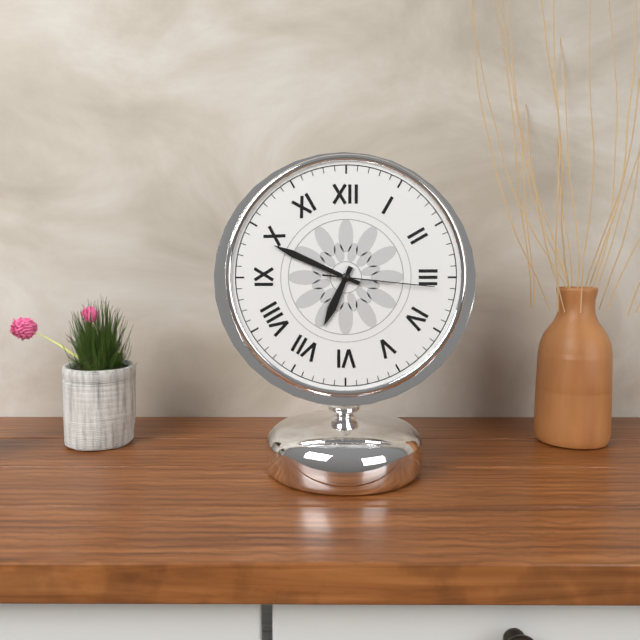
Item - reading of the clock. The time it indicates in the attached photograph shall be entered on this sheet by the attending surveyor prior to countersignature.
6:49:16
